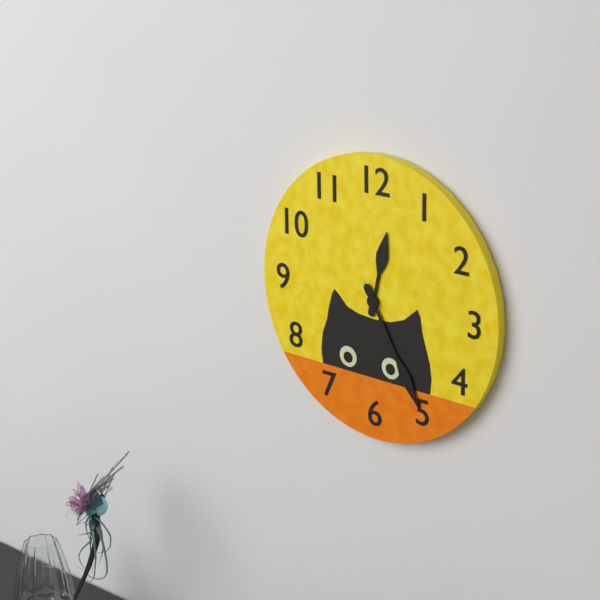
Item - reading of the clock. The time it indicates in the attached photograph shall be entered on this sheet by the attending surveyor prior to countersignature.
12:25
